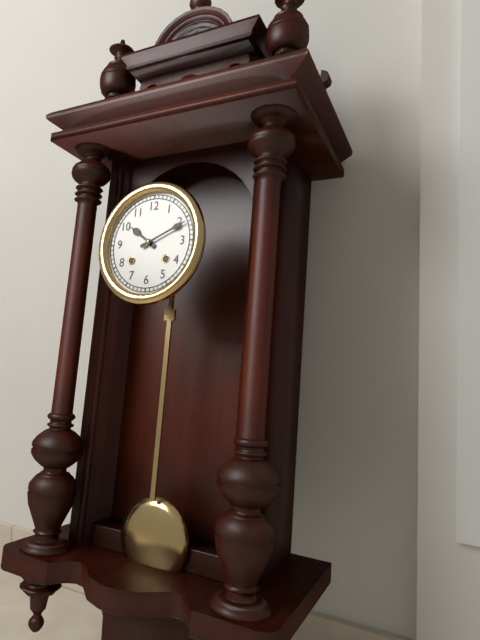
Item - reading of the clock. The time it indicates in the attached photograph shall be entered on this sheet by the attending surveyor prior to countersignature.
10:11
